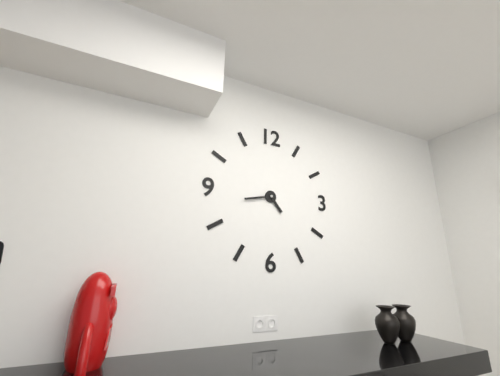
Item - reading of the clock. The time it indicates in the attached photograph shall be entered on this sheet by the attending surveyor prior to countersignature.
4:43
